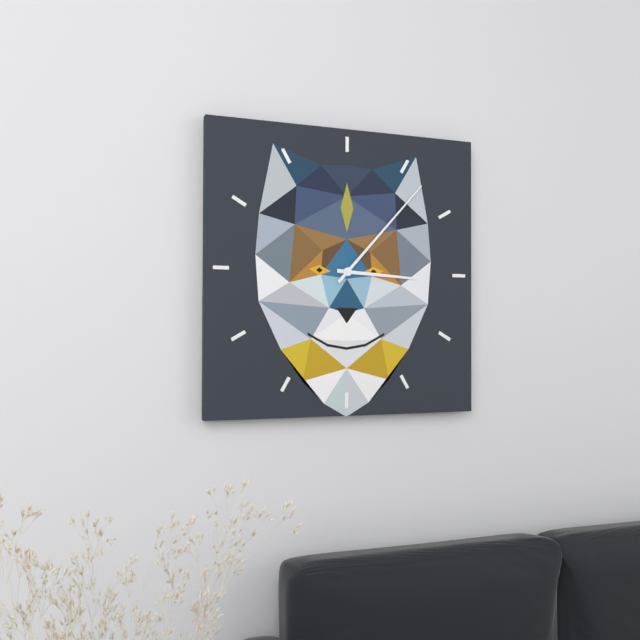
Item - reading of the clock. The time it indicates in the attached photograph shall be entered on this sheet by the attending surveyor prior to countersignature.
3:07
